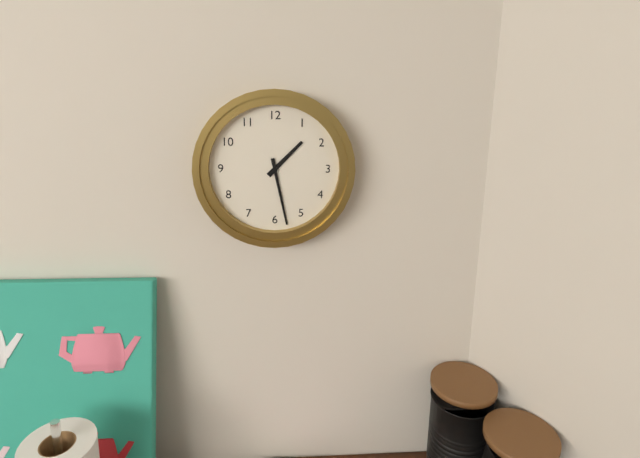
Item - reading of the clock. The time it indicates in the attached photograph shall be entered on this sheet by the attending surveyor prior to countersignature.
1:28
